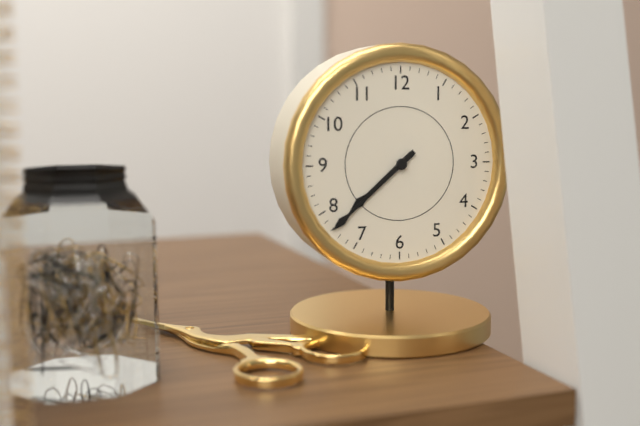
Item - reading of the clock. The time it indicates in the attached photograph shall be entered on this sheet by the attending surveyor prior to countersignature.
7:38
